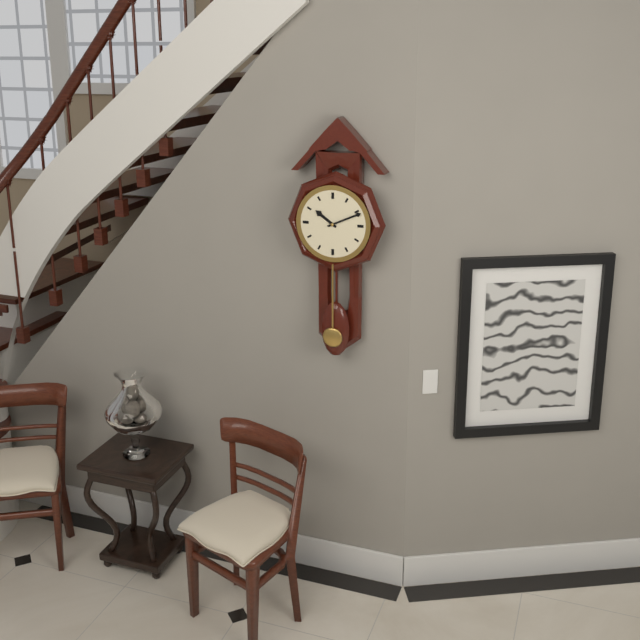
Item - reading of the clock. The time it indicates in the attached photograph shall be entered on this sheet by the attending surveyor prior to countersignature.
10:11
